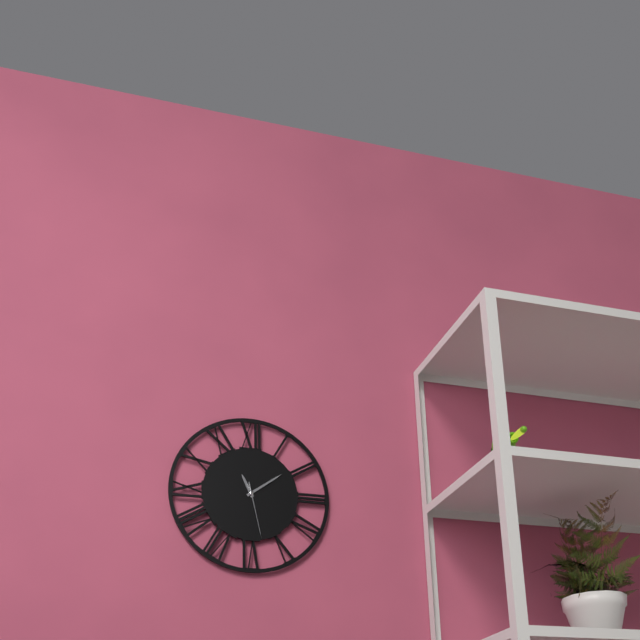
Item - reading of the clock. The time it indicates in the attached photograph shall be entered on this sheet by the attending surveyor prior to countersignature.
11:09:28
